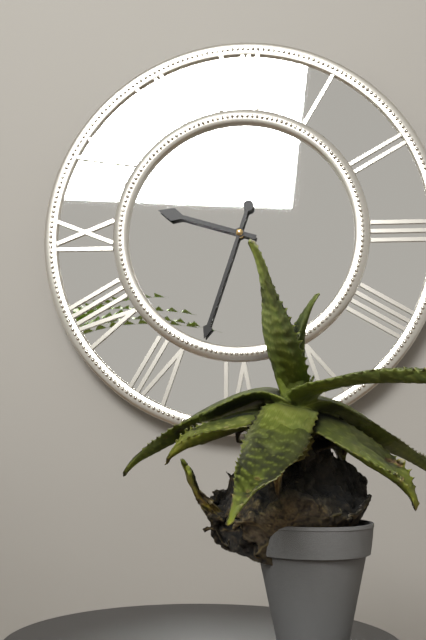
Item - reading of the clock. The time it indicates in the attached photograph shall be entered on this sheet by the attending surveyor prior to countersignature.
9:33
